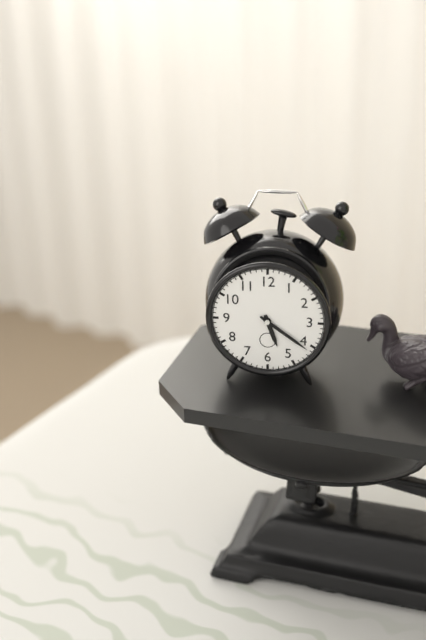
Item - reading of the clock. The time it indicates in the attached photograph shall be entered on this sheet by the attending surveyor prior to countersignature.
5:21
